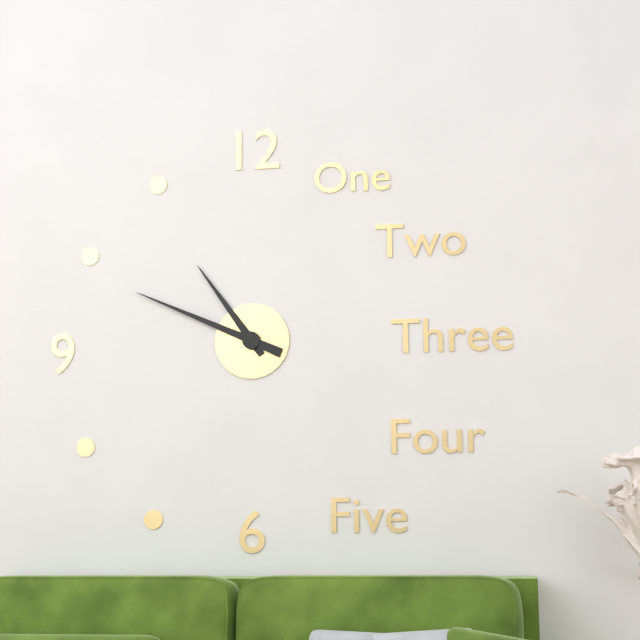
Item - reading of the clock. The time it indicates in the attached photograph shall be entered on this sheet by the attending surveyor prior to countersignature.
10:49
